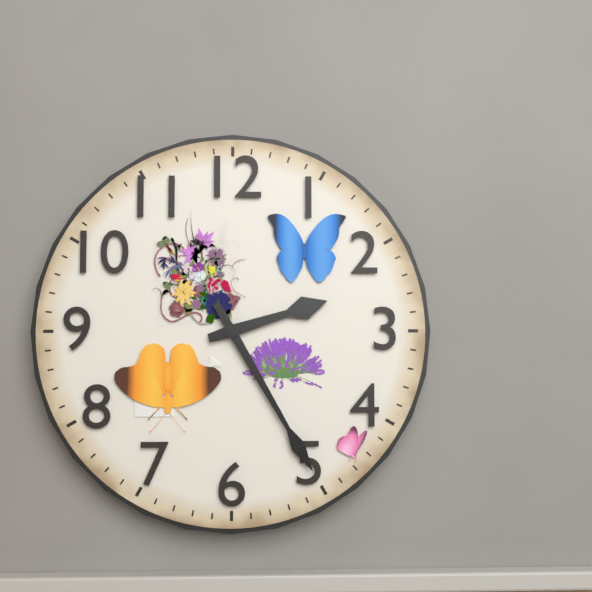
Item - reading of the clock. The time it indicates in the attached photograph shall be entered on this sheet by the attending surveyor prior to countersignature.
2:25
